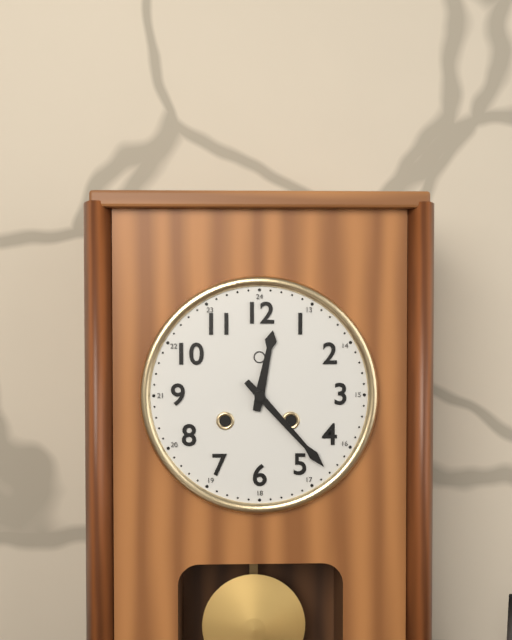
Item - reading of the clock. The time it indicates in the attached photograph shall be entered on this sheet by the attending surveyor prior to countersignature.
12:23
